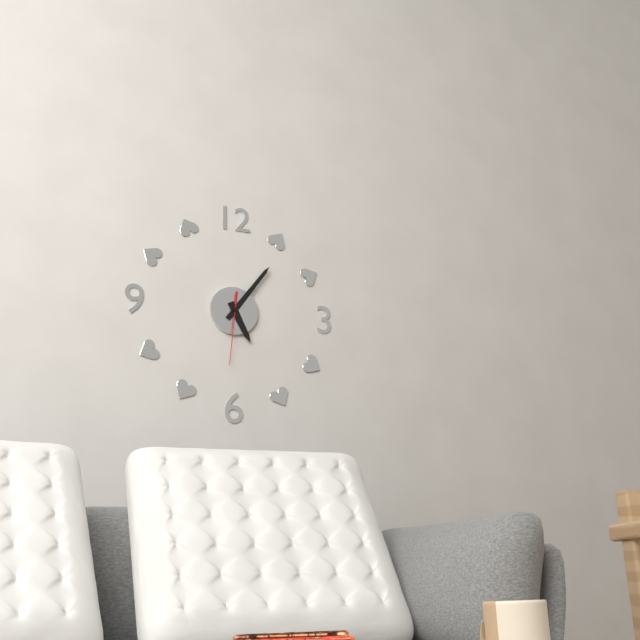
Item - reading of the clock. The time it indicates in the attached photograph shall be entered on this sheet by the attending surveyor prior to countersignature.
5:06:31
